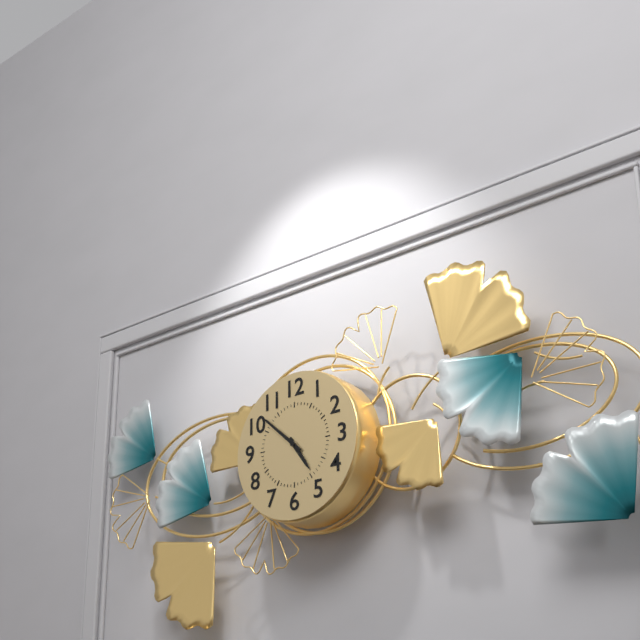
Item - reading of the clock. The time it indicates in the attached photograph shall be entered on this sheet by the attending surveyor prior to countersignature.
4:52
